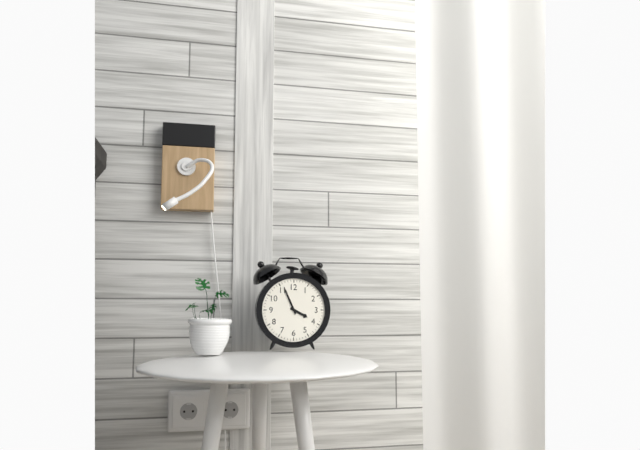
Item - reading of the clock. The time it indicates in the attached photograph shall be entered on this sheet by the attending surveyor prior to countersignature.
3:56
